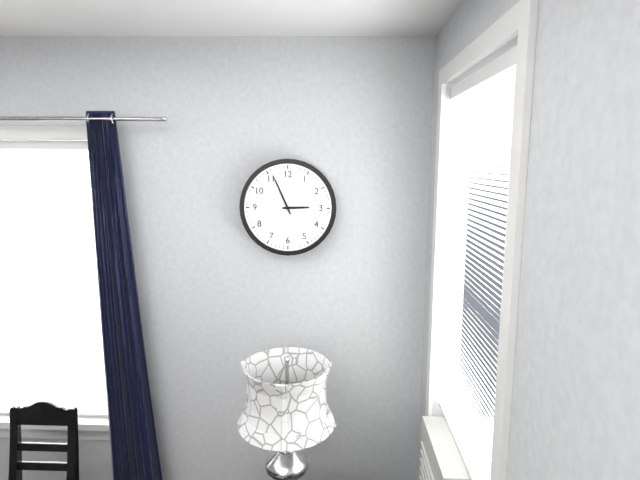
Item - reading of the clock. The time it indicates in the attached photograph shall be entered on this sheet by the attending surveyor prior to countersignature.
2:56
